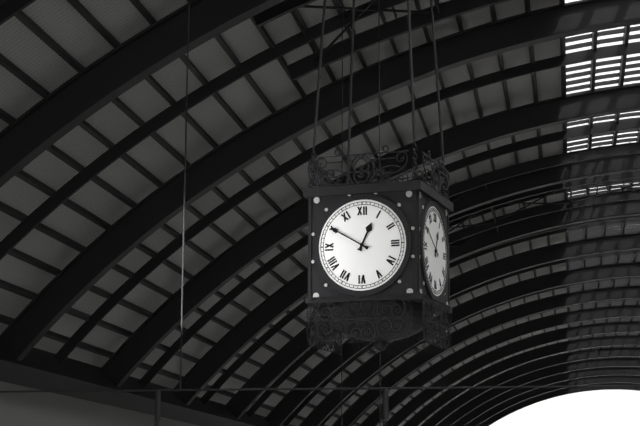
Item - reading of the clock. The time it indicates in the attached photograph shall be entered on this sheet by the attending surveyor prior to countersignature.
12:50
